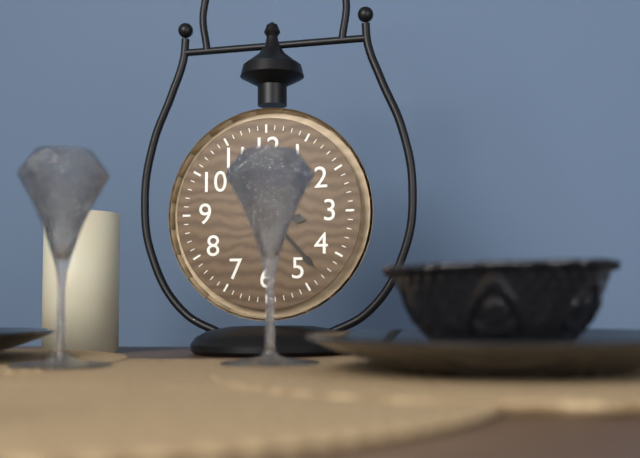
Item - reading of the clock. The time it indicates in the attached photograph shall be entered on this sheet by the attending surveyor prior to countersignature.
3:23
